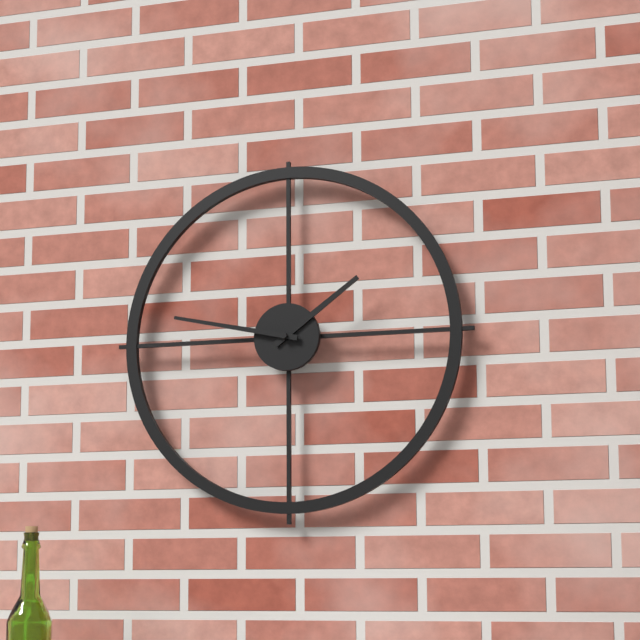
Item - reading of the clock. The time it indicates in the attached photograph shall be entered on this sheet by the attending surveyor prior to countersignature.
1:47
